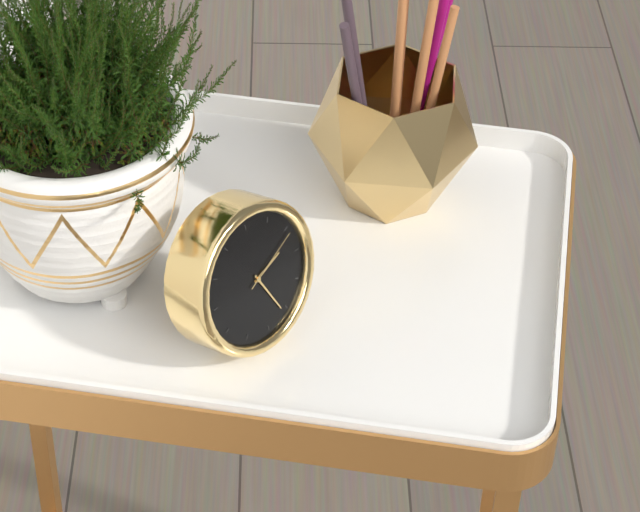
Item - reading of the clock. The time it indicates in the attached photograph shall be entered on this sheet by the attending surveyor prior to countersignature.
2:26:11
